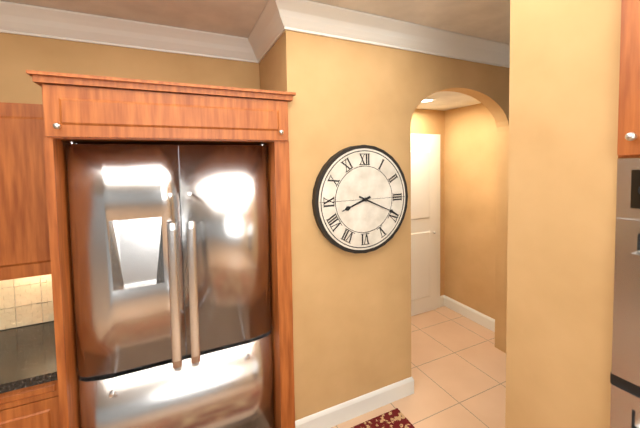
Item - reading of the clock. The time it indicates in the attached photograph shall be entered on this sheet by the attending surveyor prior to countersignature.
8:19
